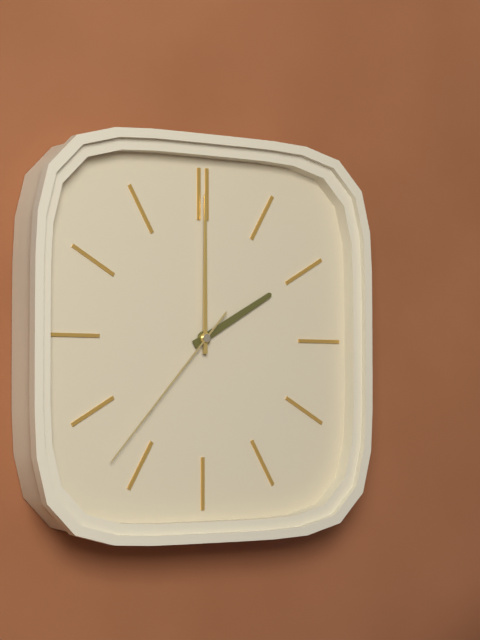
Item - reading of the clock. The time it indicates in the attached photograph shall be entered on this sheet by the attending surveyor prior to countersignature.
2:00:37
